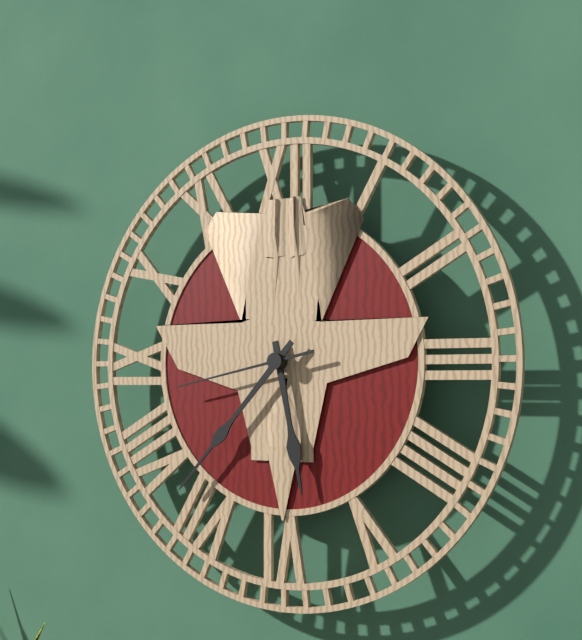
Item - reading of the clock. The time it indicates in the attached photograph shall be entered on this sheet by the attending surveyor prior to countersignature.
5:37:43
